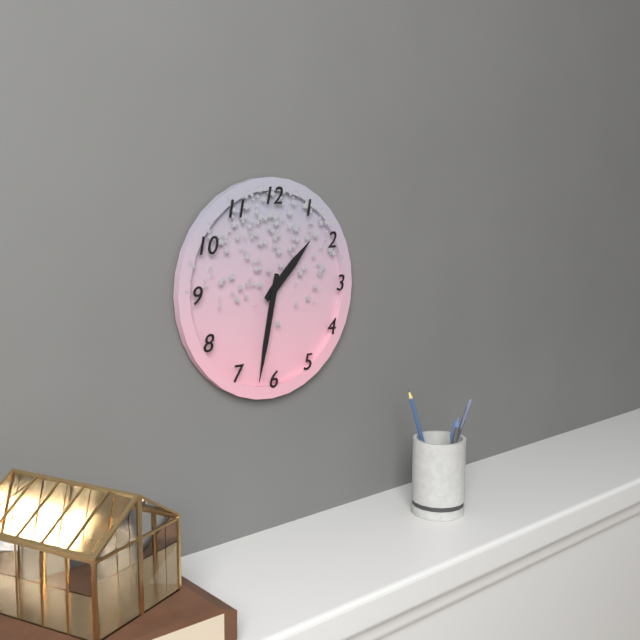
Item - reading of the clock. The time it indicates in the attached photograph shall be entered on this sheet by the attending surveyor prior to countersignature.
1:32
